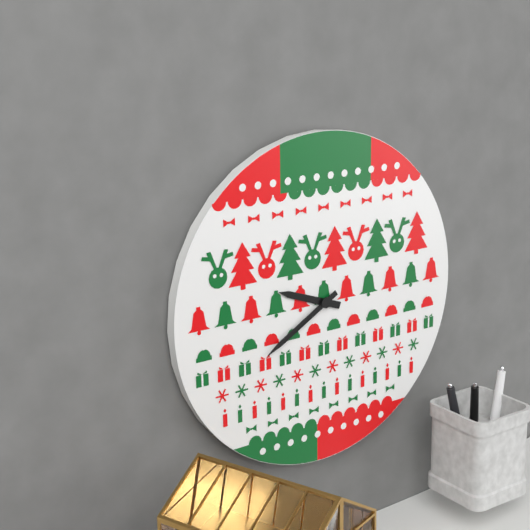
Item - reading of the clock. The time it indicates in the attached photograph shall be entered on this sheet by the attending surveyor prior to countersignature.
9:40
